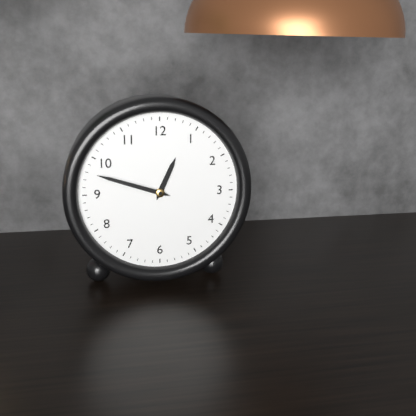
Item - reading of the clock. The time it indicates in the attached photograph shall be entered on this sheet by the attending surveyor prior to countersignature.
12:48
